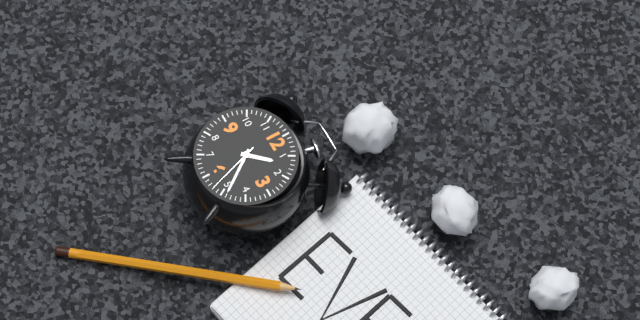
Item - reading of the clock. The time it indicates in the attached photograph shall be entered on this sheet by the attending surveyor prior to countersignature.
1:24:27
